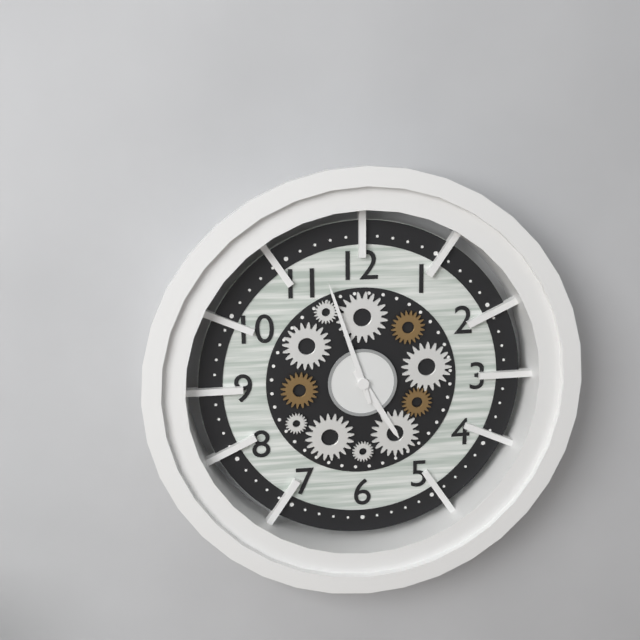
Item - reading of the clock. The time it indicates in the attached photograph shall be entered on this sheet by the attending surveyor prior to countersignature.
4:57
